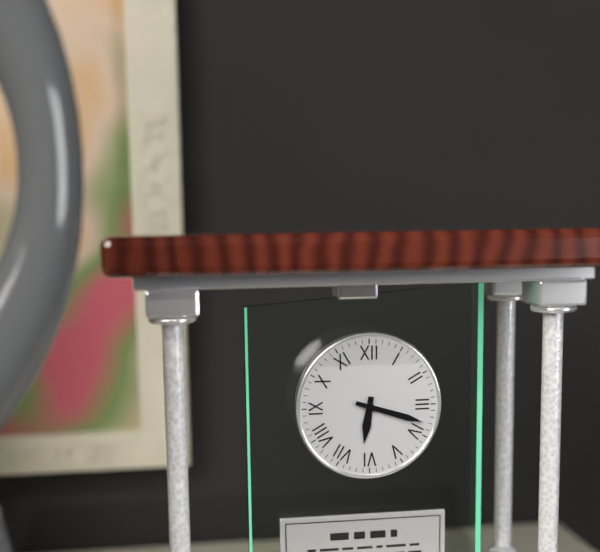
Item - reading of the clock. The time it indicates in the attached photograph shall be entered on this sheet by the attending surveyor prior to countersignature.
6:18
